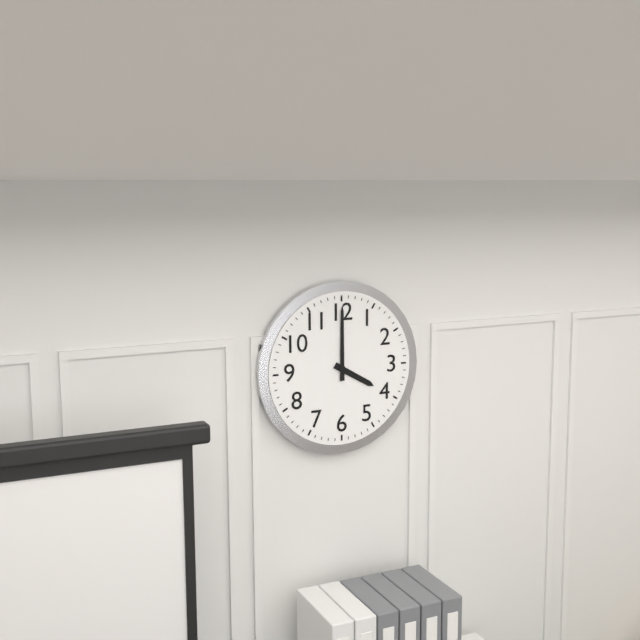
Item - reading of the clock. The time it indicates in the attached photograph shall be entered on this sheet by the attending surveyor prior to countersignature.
4:00
